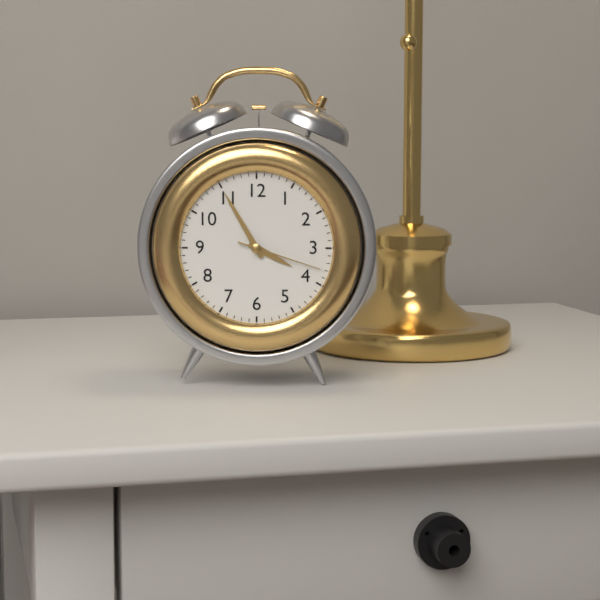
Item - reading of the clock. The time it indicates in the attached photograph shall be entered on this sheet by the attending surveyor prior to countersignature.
3:55:18
